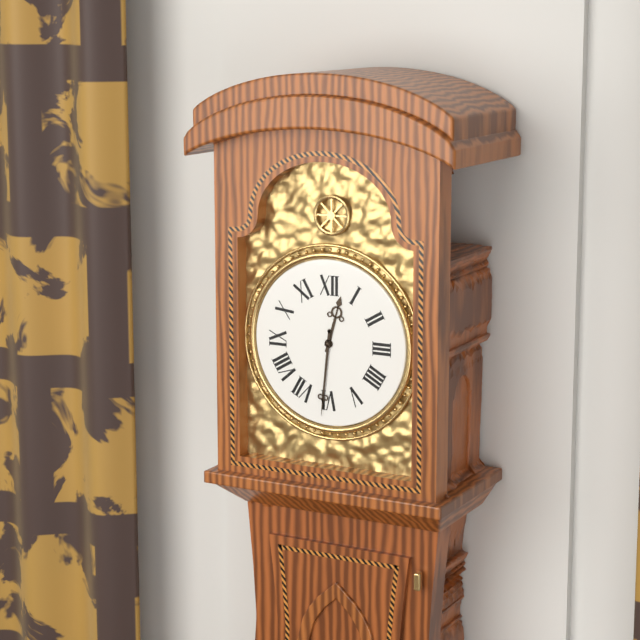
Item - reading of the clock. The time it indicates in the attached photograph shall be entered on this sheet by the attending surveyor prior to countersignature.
12:31
